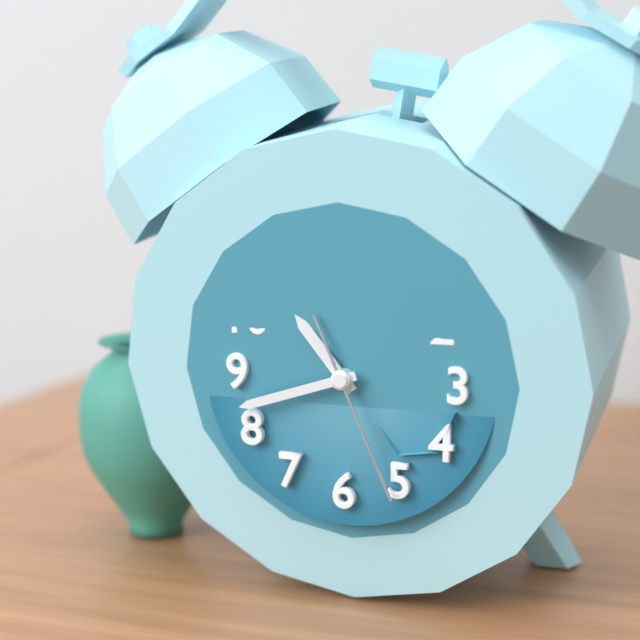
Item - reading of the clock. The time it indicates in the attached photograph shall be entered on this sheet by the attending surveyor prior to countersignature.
10:42:26
